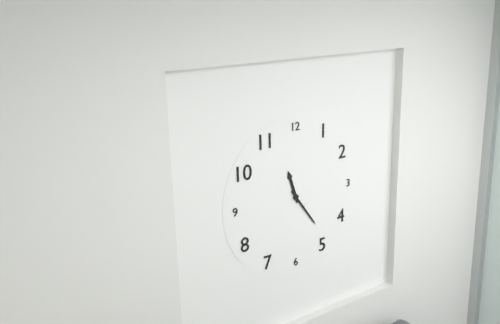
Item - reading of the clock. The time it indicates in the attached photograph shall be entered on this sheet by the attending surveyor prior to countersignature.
11:24
